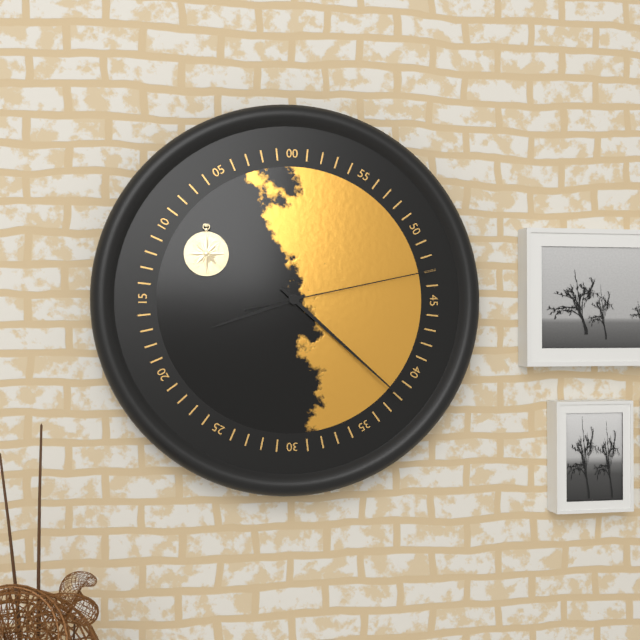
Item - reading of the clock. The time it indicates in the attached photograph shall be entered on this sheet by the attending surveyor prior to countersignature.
8:22:13
